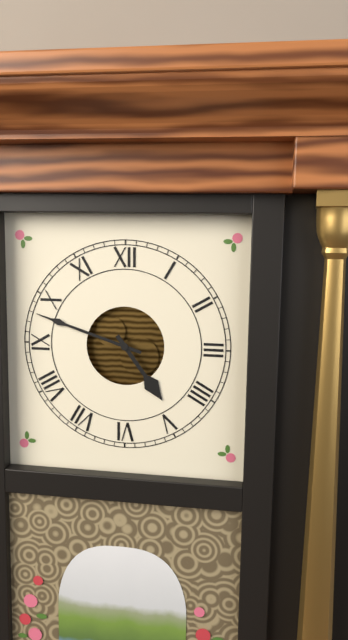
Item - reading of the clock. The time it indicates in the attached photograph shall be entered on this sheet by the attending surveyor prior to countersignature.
4:48
